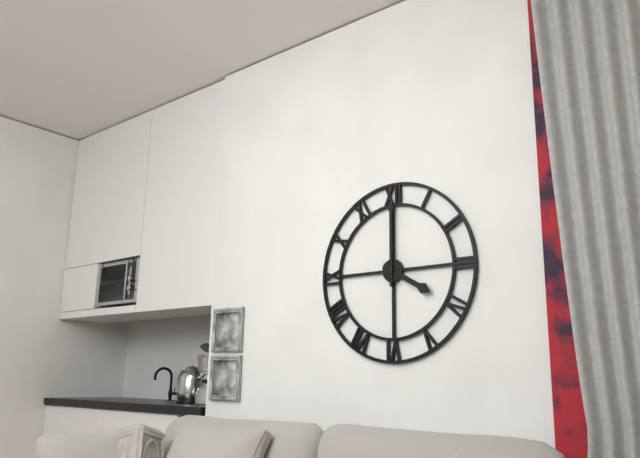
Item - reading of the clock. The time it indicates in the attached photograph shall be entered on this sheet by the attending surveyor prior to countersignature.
4:00
